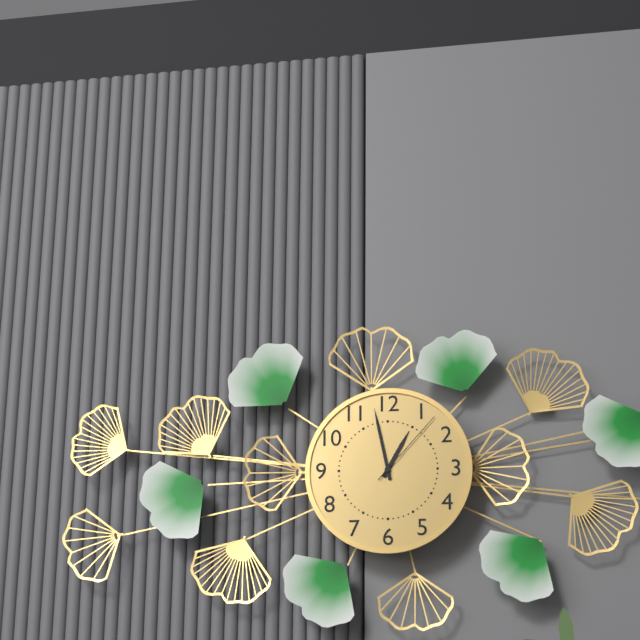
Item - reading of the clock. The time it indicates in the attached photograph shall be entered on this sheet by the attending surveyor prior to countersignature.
12:58:07
